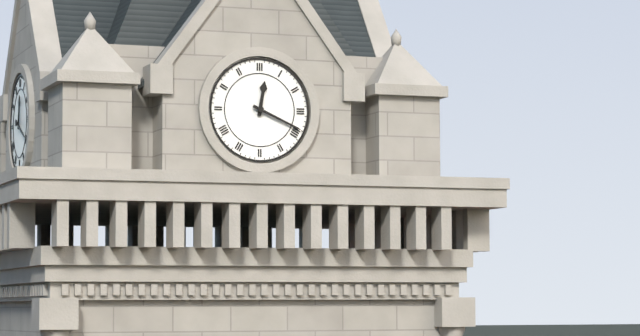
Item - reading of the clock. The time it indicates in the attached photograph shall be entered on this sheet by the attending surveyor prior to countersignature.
12:19
